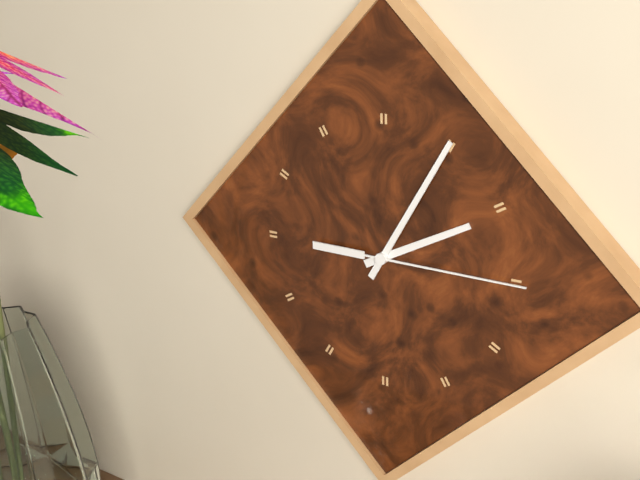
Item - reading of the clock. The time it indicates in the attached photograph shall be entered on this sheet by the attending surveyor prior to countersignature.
2:05:15
